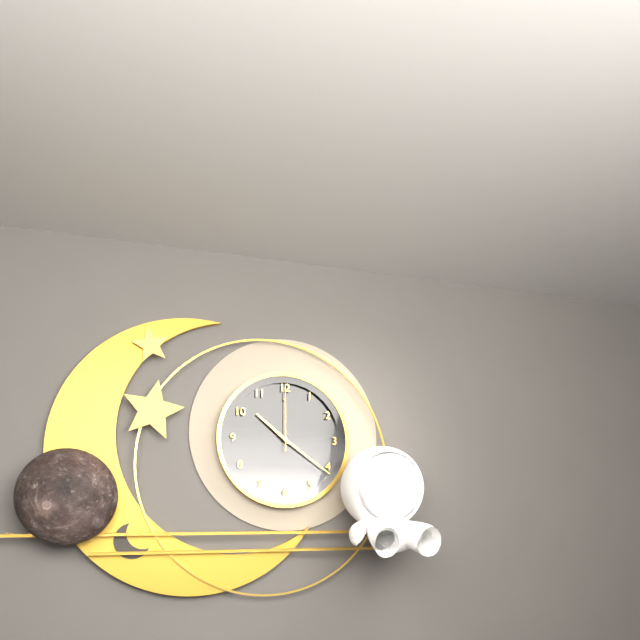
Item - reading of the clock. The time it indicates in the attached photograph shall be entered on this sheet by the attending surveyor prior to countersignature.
10:21:00
